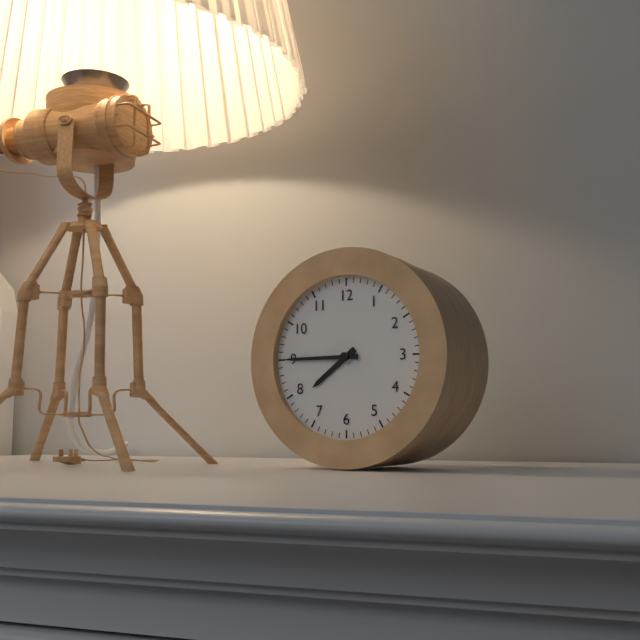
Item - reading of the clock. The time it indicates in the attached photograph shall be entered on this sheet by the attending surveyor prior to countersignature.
7:45
